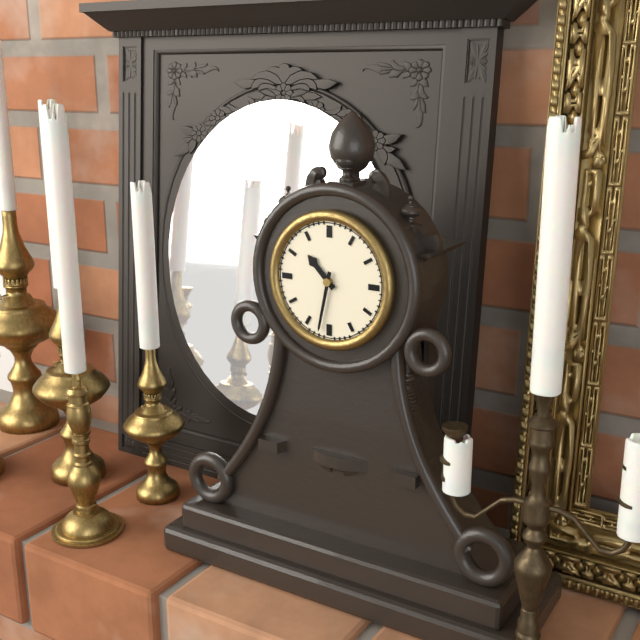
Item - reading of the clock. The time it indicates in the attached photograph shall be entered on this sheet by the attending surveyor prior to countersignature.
10:32
